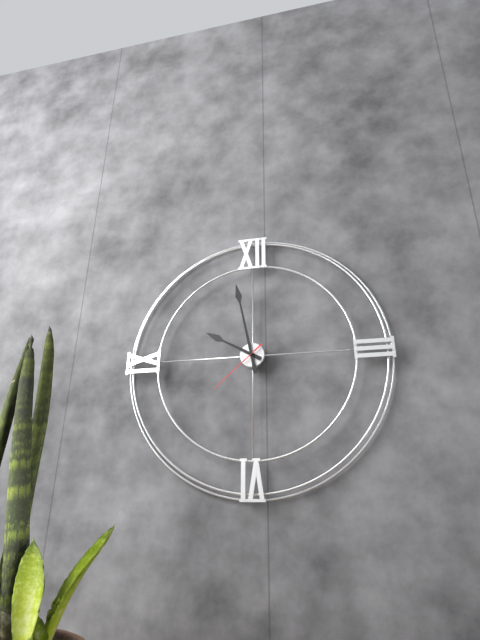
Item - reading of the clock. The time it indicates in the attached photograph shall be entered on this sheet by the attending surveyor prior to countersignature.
9:58:38
